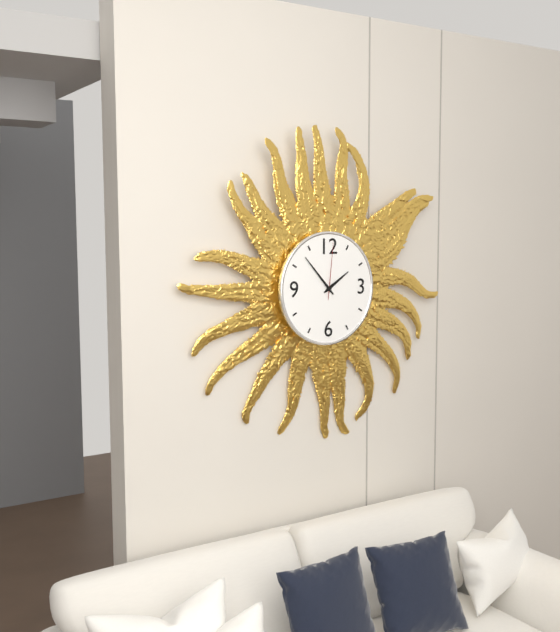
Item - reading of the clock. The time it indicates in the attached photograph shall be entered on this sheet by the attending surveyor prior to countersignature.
1:53:01
